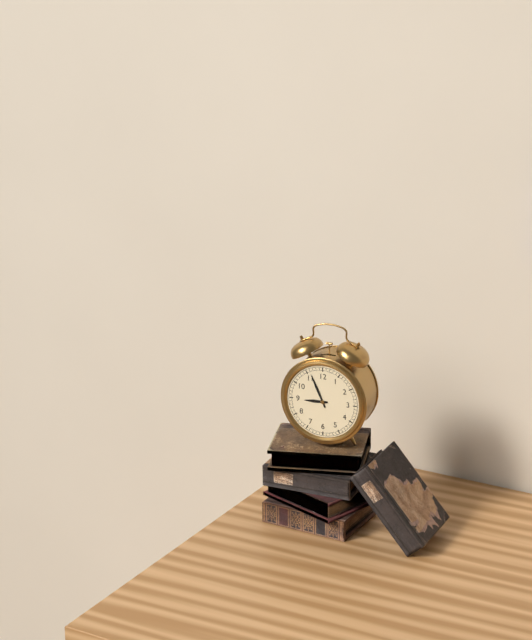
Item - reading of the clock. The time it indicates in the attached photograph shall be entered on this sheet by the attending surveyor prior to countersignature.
8:56
